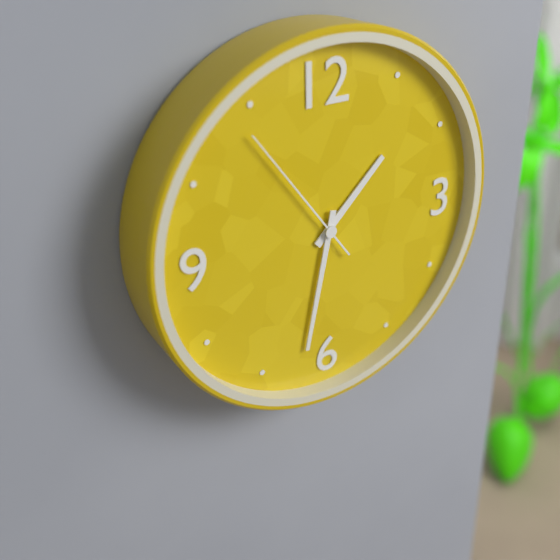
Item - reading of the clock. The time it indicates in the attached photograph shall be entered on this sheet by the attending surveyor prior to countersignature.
1:32:54
